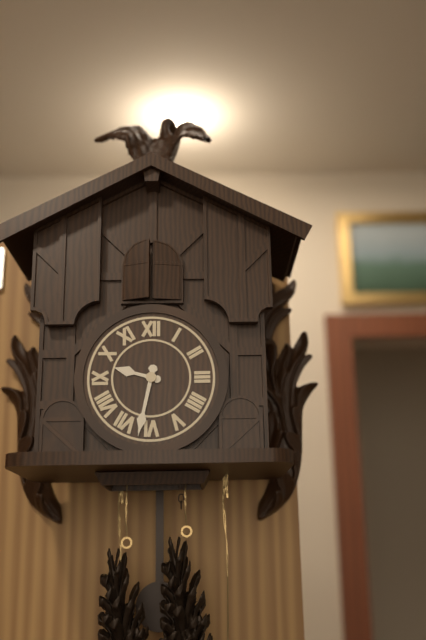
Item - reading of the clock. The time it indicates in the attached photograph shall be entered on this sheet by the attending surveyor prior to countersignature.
9:32
